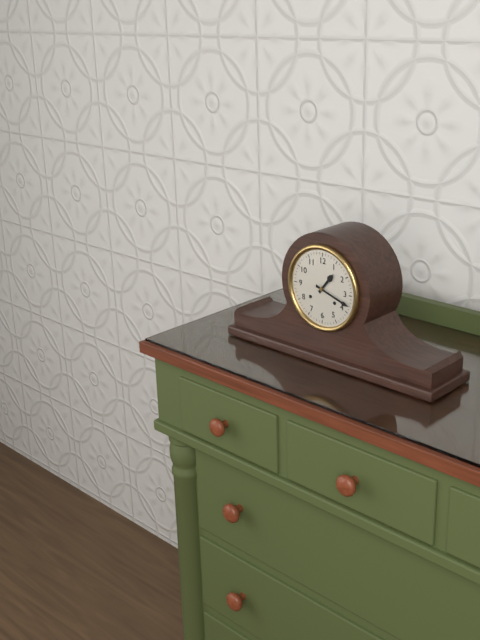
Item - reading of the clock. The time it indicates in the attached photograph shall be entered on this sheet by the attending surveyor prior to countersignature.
1:18
